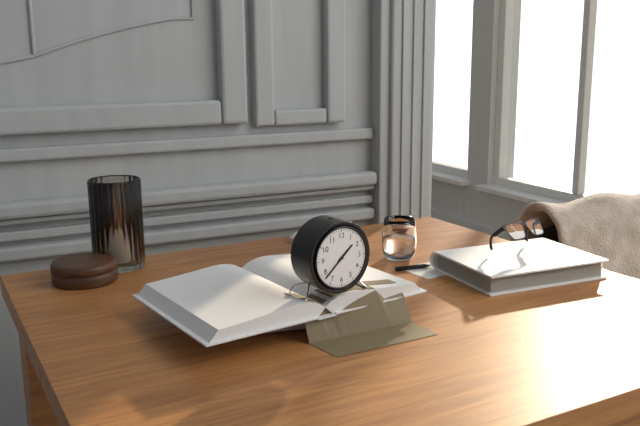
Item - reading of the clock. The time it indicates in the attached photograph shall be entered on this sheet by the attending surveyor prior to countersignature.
1:38
